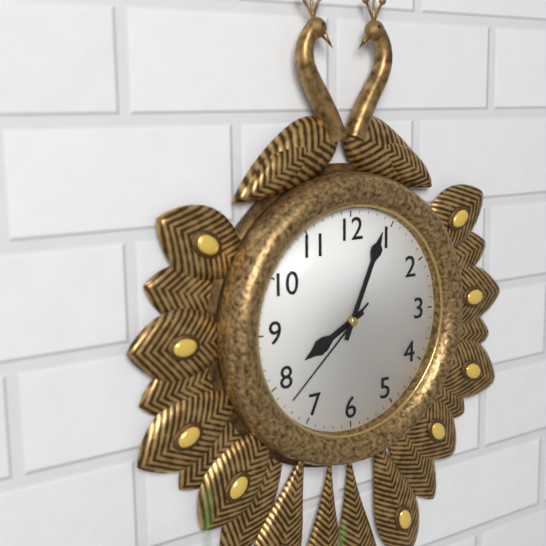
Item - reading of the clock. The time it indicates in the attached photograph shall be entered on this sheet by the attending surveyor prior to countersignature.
8:04:38
